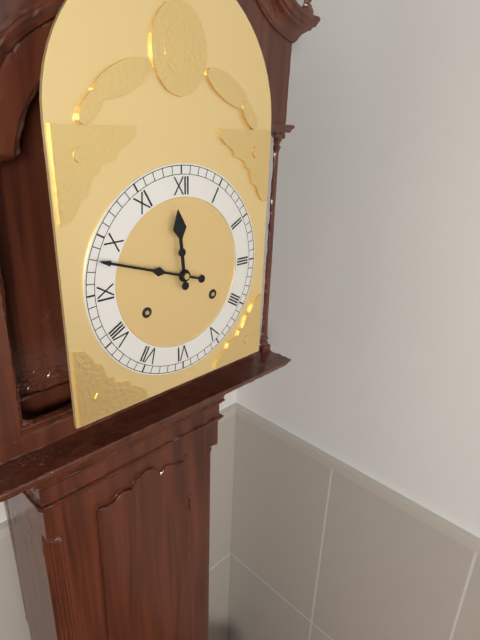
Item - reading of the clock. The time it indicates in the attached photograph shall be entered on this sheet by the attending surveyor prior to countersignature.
11:48
